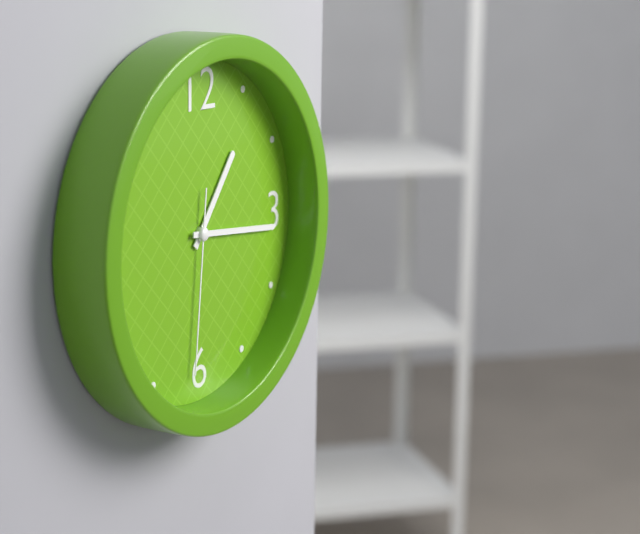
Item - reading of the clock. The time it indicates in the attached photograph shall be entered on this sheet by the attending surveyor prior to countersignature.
1:16:31
